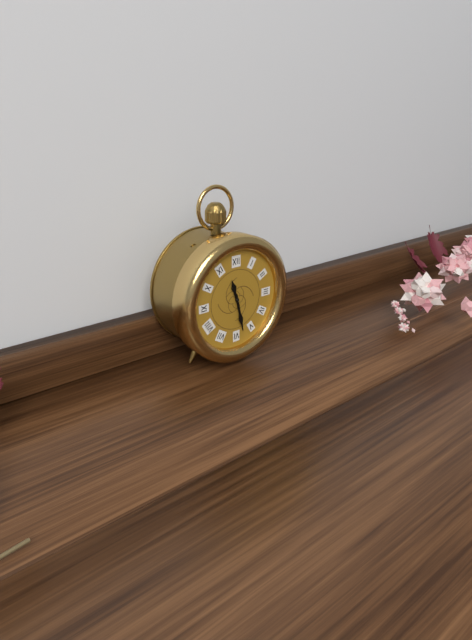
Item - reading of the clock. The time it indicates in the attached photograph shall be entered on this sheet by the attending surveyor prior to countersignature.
11:28
